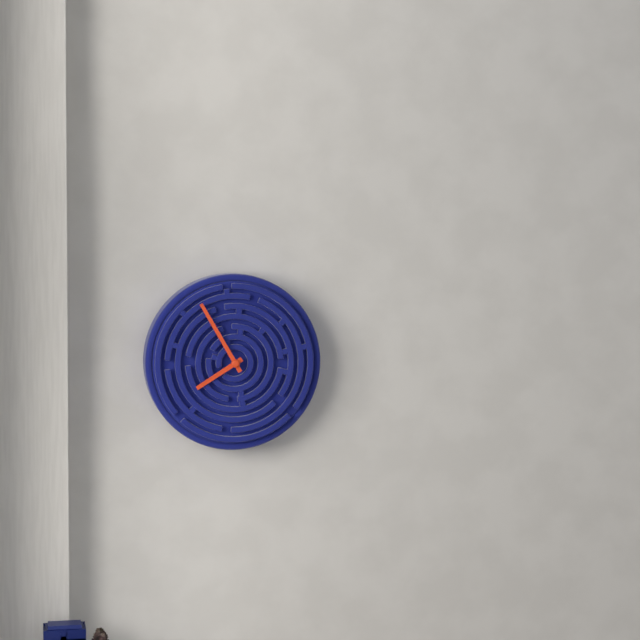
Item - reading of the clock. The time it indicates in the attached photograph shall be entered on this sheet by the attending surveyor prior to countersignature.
7:55
